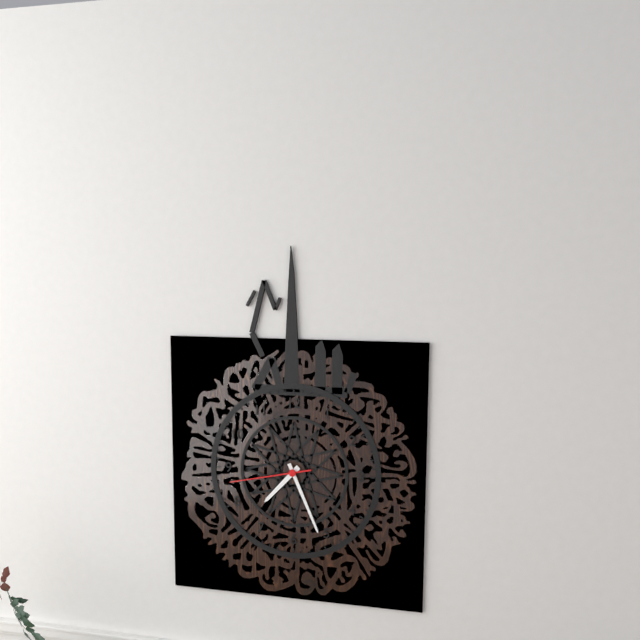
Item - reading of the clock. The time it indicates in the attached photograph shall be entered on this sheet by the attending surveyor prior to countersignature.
7:26:43
